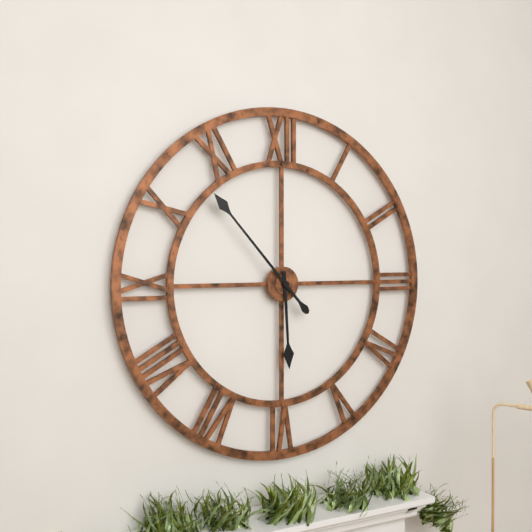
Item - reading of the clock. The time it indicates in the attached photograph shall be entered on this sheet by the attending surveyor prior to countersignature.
5:53
